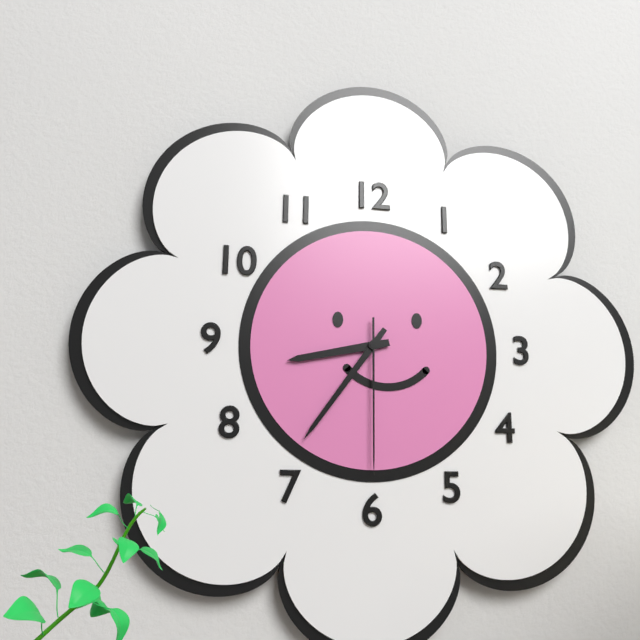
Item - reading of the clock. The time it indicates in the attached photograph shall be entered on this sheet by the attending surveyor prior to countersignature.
8:36:30
